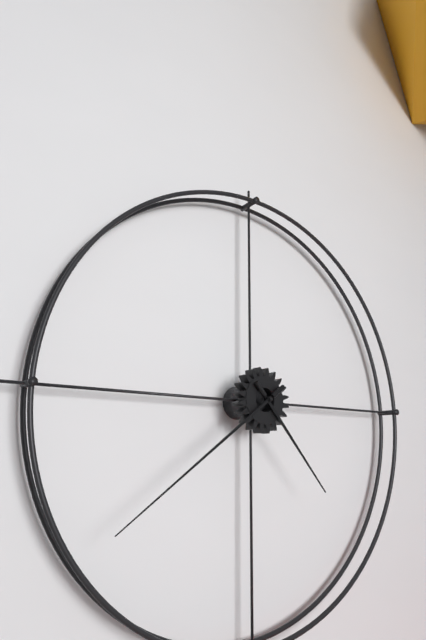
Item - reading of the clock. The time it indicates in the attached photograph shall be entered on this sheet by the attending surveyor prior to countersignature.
4:39
